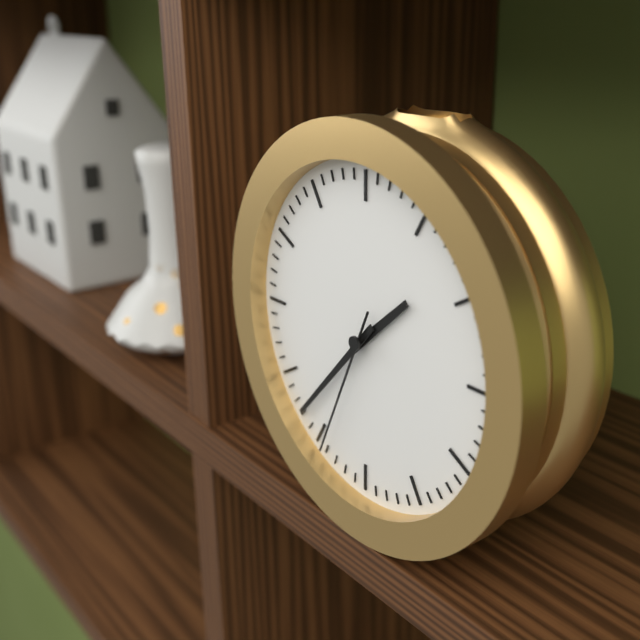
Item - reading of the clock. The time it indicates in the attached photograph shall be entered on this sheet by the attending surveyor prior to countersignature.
1:37:34
